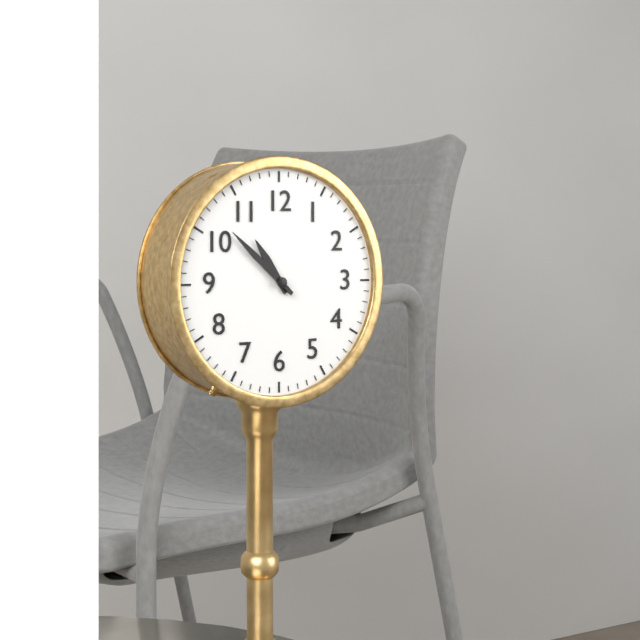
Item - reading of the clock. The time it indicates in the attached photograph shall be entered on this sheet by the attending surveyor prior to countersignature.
10:52
